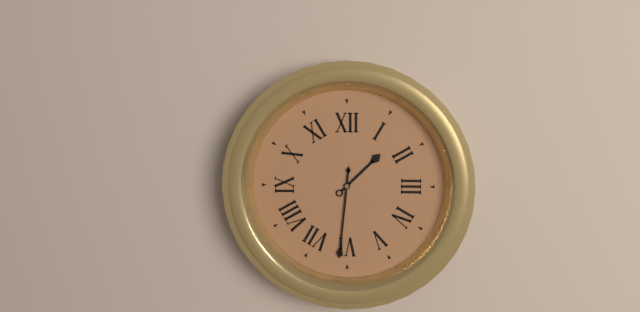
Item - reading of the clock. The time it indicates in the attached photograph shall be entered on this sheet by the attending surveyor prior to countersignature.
1:31
